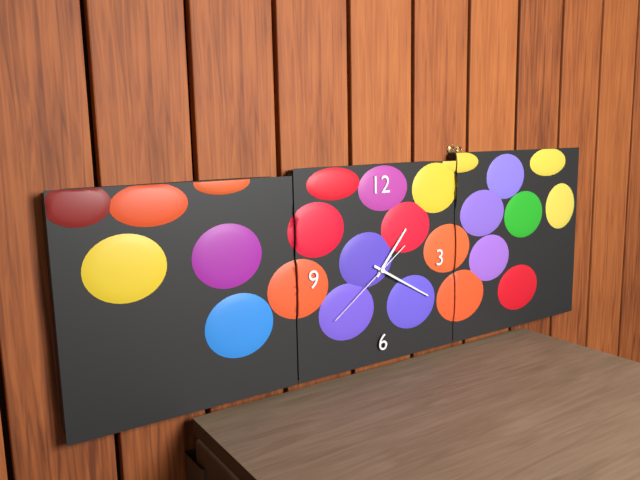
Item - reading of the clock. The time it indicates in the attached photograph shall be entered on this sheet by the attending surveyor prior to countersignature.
1:20:39
